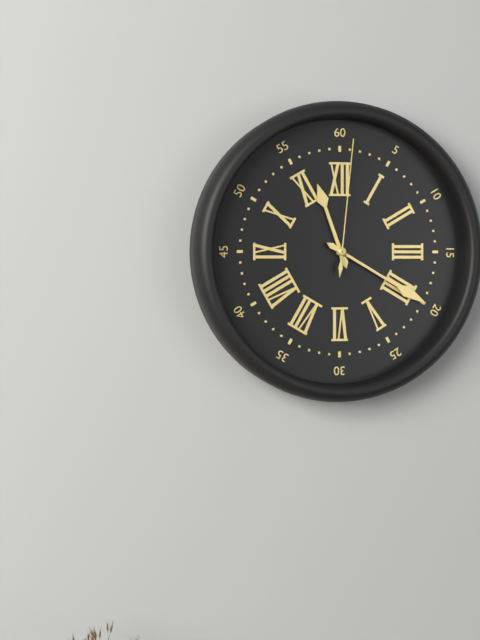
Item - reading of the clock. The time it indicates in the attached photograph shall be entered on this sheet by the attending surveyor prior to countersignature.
11:20:01
